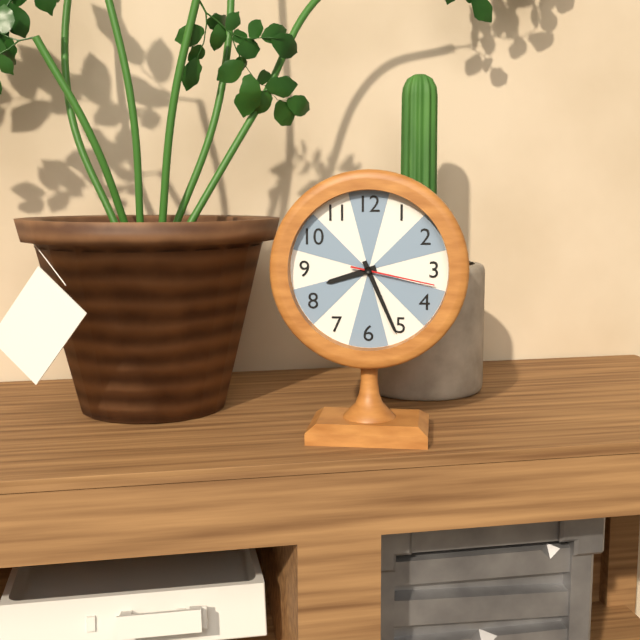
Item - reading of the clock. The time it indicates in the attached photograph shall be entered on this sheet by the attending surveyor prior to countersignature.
8:26:17
